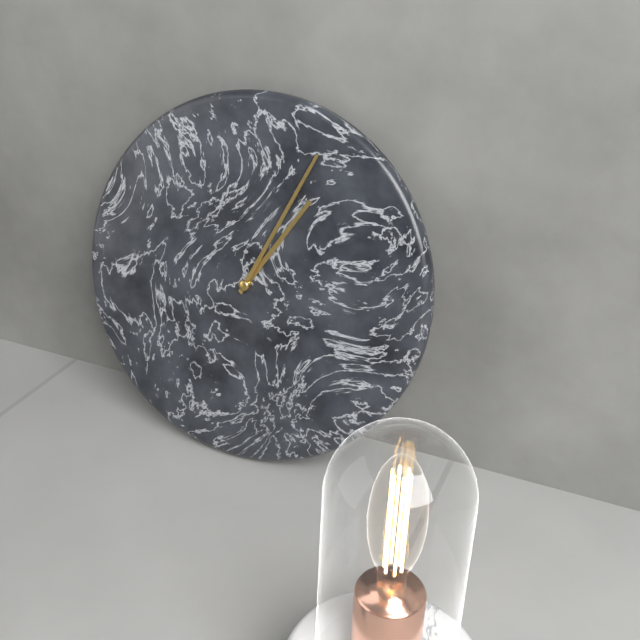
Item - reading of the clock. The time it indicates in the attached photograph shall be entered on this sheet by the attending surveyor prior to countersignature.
1:04
